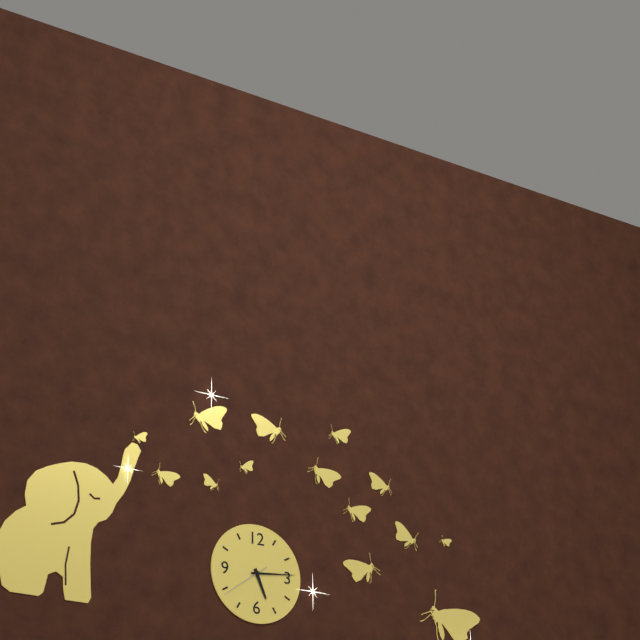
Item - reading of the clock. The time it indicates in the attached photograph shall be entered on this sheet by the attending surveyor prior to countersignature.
5:14
